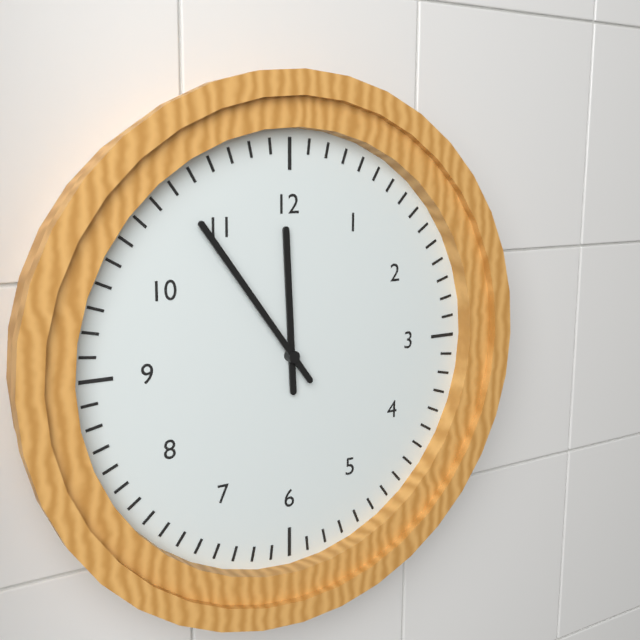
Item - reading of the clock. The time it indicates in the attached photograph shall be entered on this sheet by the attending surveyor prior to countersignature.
11:54
